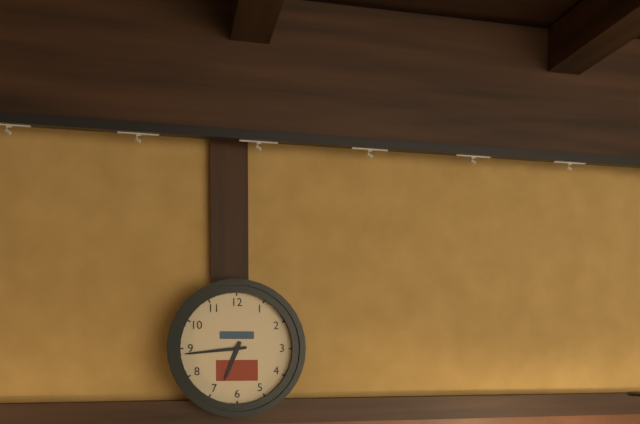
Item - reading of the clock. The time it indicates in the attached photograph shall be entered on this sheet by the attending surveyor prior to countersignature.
6:44
